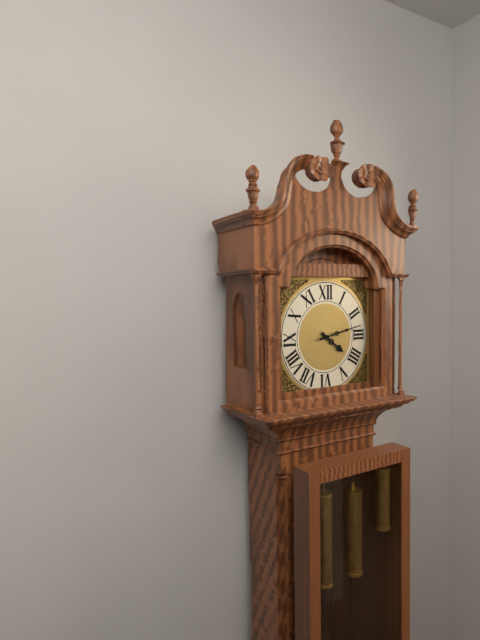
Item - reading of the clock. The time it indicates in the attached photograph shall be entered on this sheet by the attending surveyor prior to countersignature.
4:13
